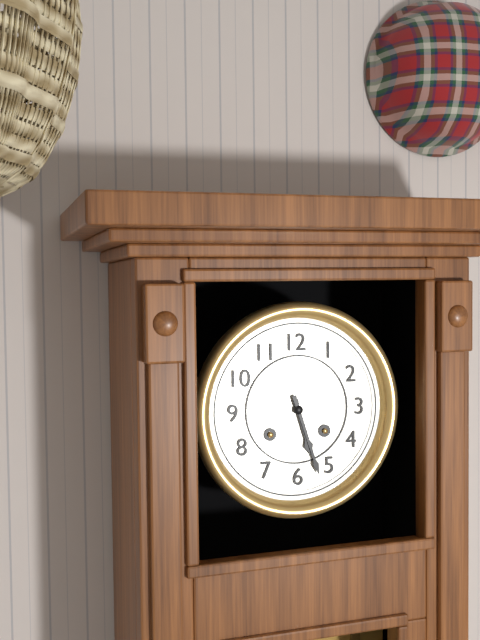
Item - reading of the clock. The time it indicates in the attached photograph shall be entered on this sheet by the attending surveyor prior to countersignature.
5:27
